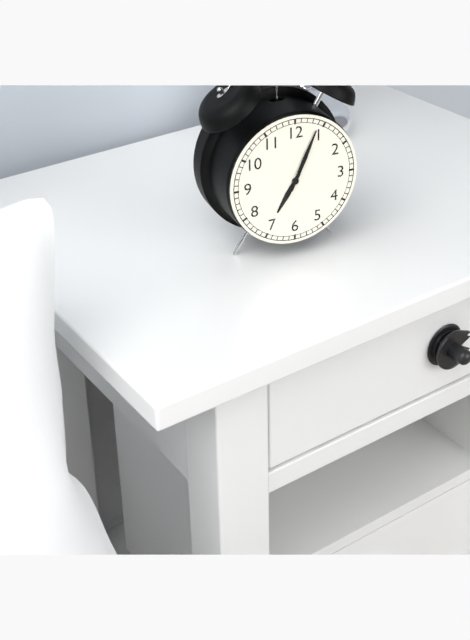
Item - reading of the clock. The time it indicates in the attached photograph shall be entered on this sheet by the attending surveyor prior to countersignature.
7:04
